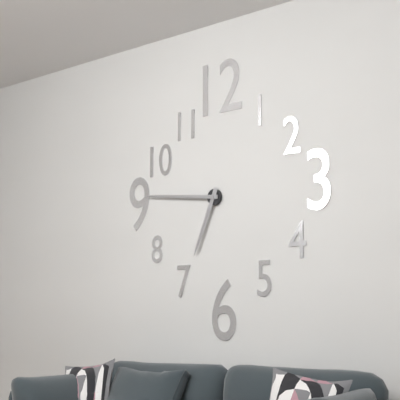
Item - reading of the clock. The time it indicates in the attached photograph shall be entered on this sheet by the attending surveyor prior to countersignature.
6:46
